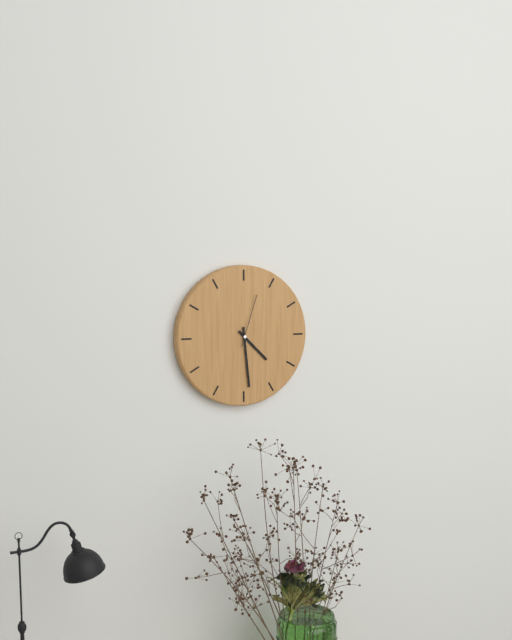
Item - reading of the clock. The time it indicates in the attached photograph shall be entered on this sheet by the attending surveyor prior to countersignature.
4:29:03
